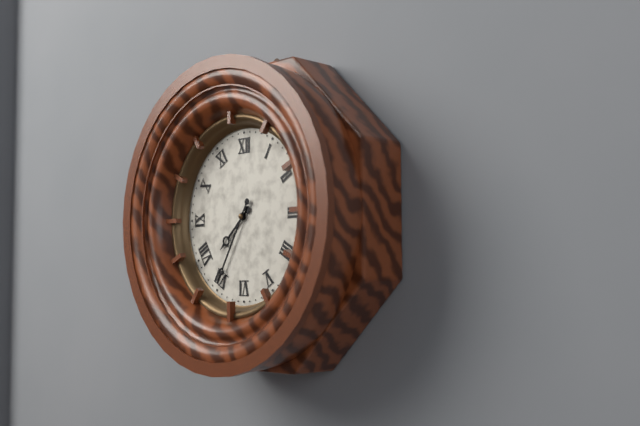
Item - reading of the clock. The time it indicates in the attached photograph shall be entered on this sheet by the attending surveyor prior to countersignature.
7:35
